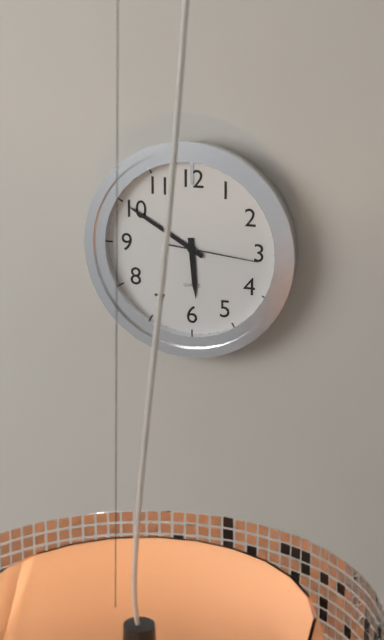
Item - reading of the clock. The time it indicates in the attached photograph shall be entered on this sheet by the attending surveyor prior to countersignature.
5:50:16
